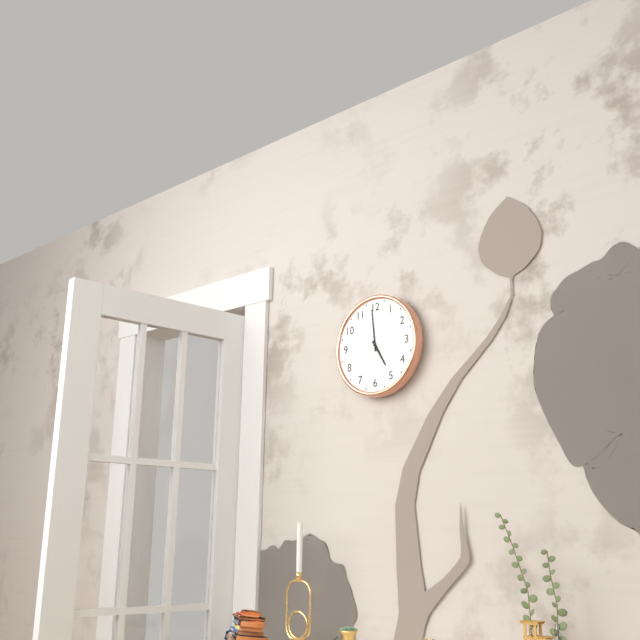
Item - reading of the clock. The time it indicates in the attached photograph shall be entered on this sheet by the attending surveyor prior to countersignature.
4:59
